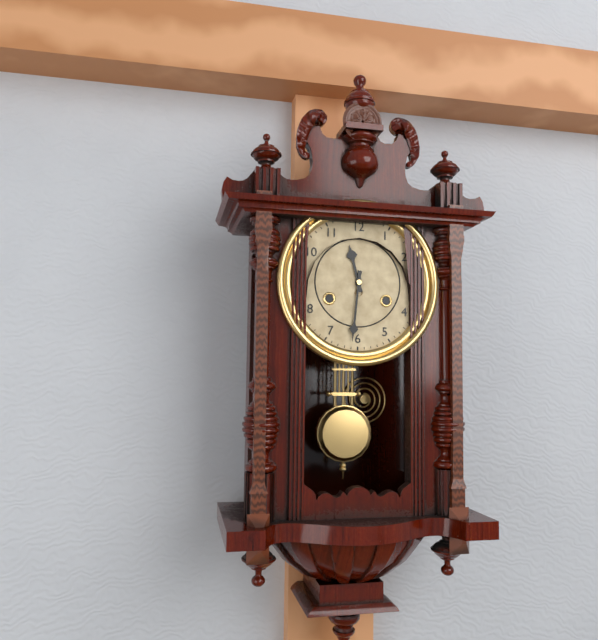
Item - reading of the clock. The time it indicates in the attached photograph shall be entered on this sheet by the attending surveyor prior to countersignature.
11:31
